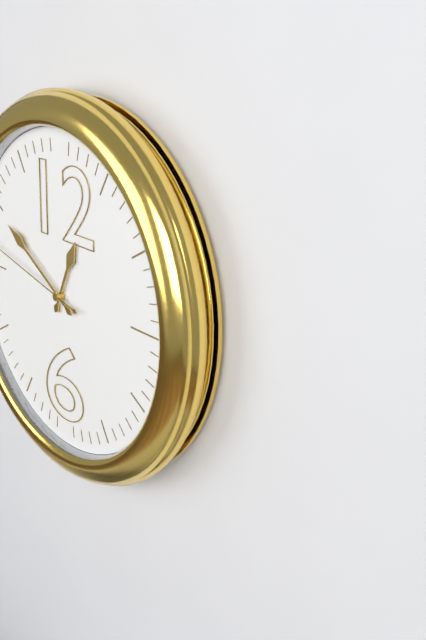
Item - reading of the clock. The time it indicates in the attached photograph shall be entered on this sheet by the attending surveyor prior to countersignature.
12:50
